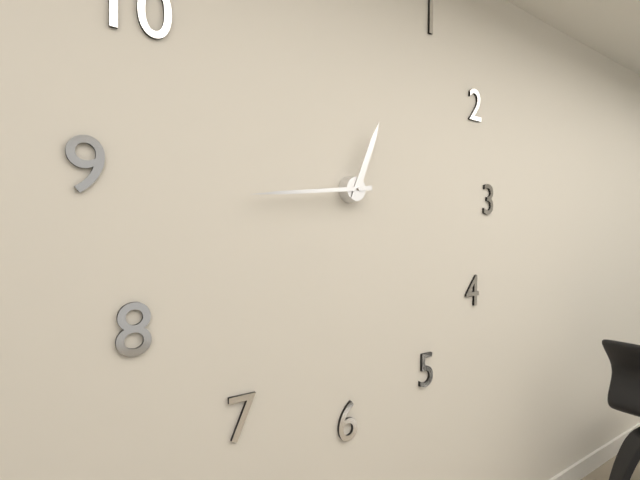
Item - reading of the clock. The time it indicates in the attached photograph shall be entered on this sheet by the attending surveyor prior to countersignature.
12:44
